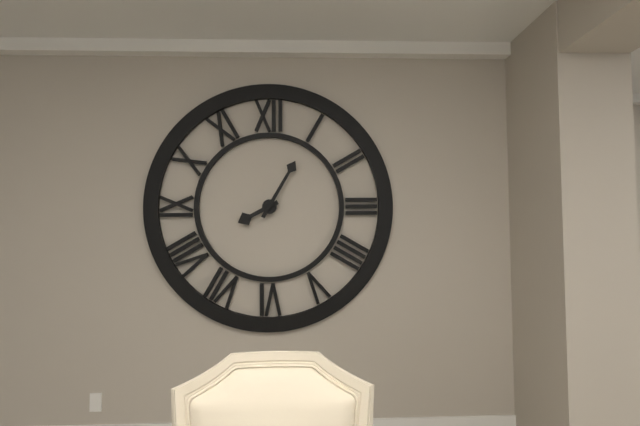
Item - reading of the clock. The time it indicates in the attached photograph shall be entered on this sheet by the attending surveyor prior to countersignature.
8:05
